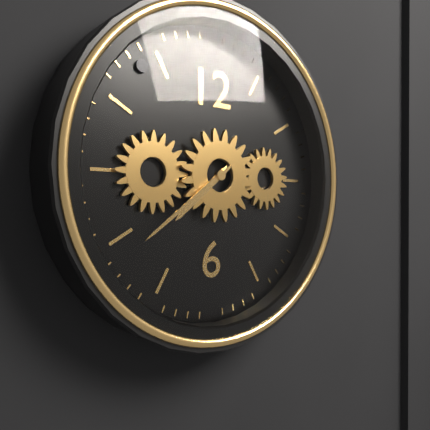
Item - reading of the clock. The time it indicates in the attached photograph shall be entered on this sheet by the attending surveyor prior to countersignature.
7:39
